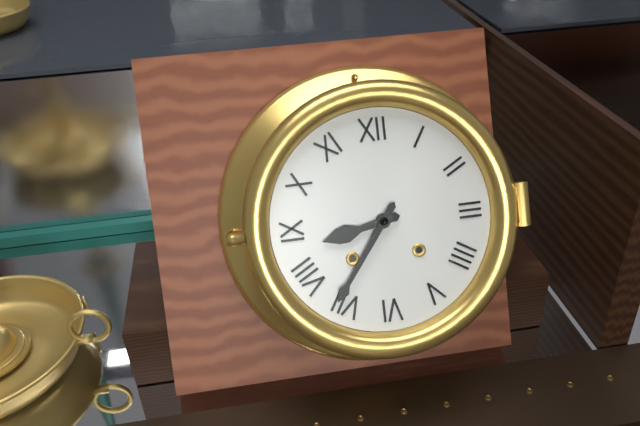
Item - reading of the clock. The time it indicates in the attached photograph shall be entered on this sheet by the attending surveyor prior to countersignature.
8:36
